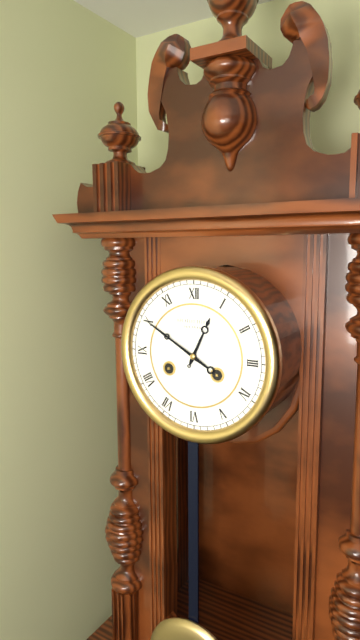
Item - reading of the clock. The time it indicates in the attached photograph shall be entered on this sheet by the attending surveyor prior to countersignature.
12:50
